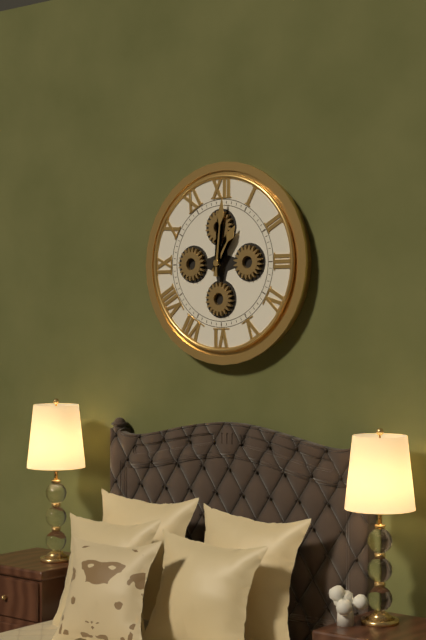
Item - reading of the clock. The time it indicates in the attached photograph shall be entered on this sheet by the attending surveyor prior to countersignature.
1:01
